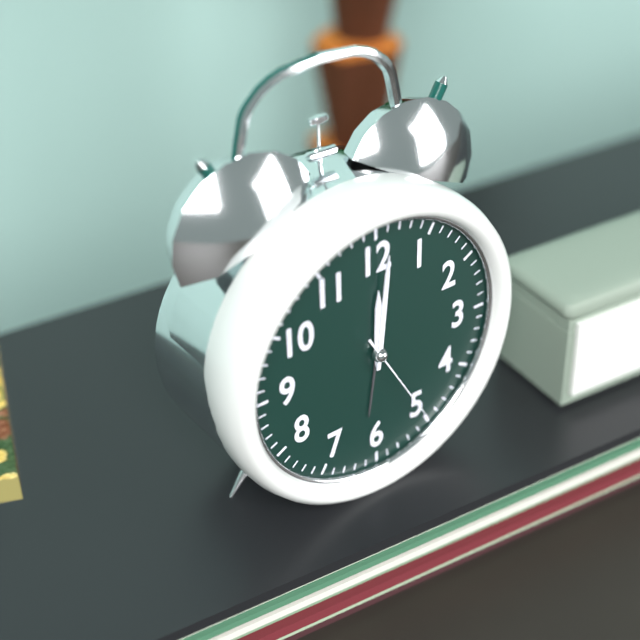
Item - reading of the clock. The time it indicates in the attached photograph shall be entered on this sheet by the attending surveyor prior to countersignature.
12:01:25
